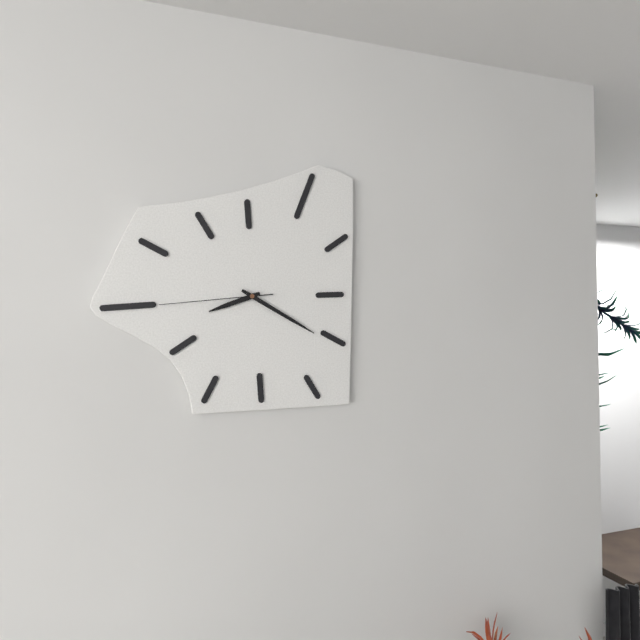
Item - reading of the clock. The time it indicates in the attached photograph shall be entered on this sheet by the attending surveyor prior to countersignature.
8:20:44
